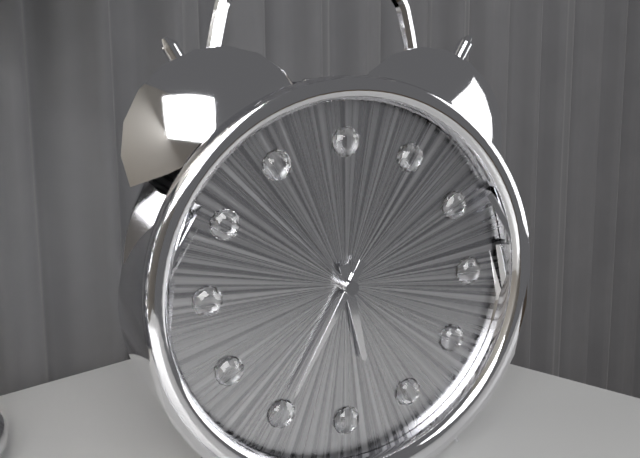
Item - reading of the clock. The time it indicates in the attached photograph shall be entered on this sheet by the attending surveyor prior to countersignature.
5:35:53
